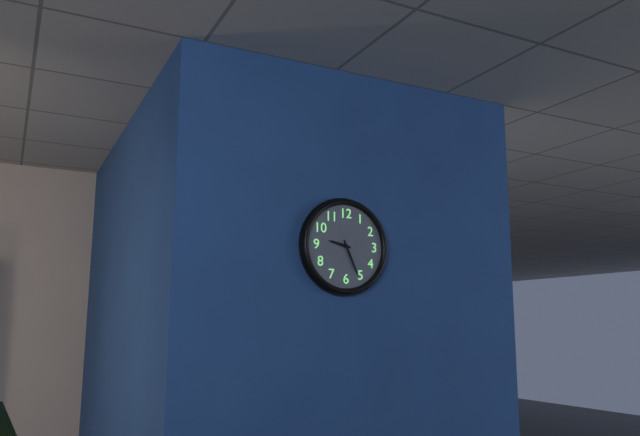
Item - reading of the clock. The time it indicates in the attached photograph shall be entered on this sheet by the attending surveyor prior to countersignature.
9:26
